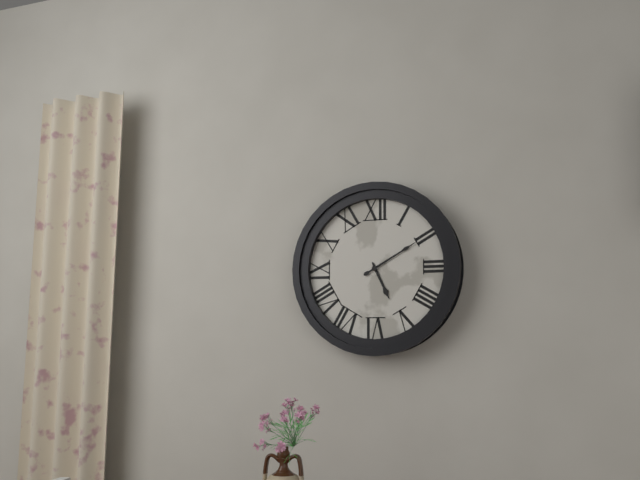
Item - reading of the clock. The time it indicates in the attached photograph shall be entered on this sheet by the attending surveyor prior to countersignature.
5:10
